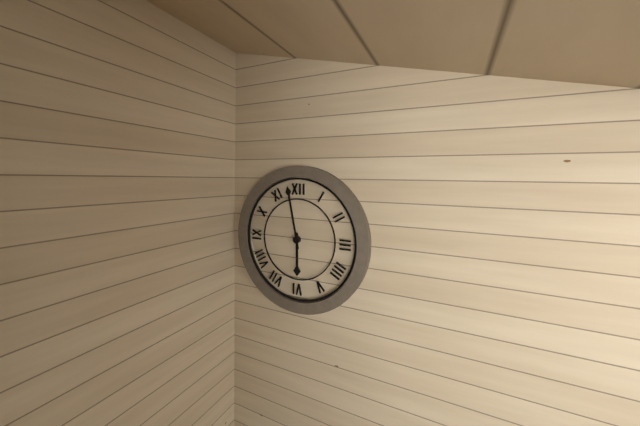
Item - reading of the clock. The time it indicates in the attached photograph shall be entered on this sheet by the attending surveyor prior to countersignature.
5:58
